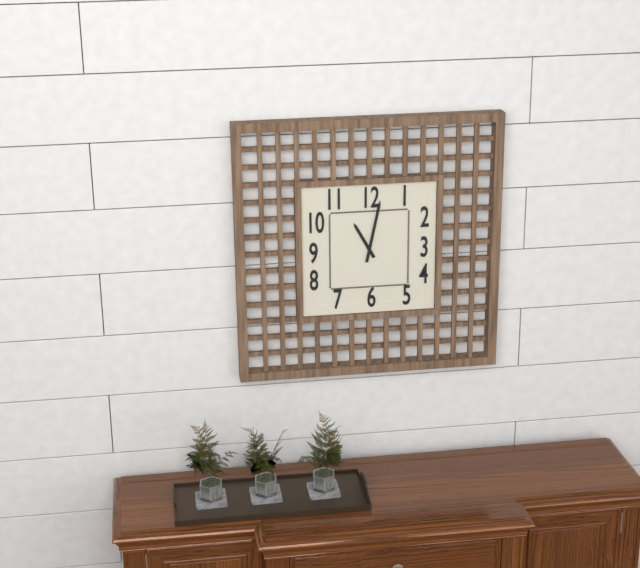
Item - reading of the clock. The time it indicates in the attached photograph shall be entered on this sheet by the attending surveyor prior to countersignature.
11:02
